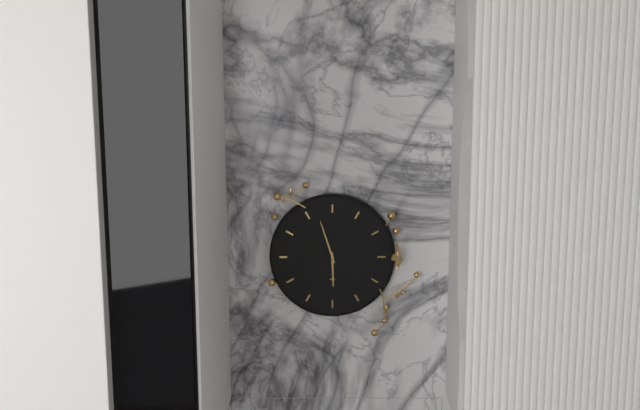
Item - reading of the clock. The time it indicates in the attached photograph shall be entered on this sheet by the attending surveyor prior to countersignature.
5:57
